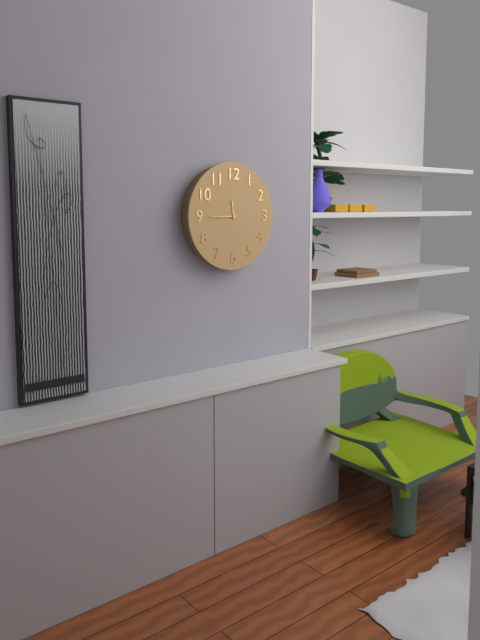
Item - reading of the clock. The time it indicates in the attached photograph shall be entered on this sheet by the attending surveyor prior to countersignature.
11:45
